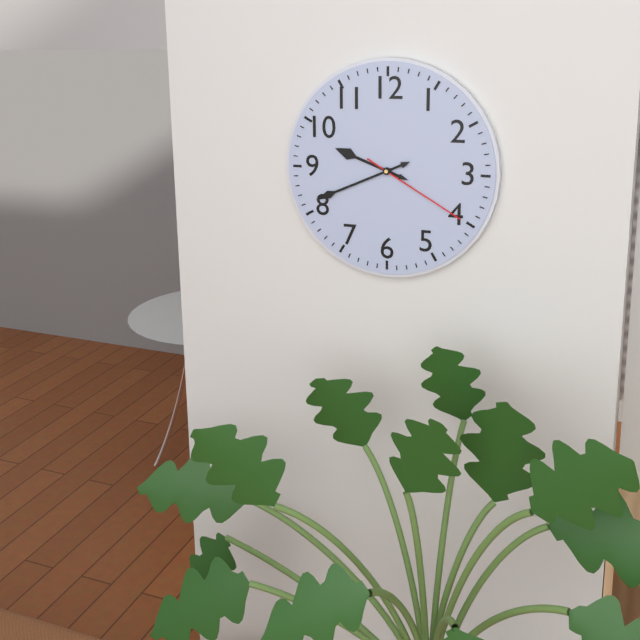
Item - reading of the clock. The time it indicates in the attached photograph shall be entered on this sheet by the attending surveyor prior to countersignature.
9:41:20
